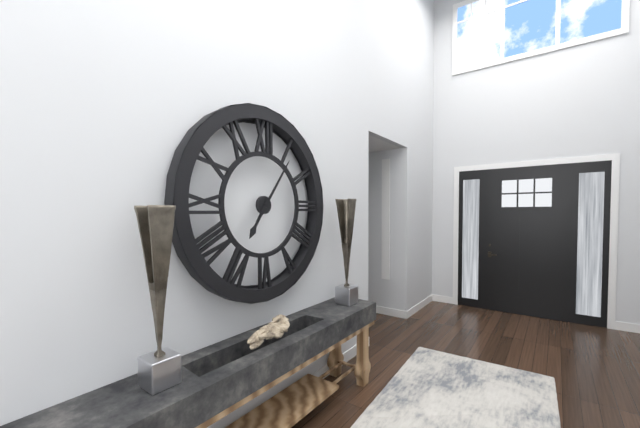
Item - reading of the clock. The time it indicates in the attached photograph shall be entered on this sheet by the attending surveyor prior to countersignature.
7:06
